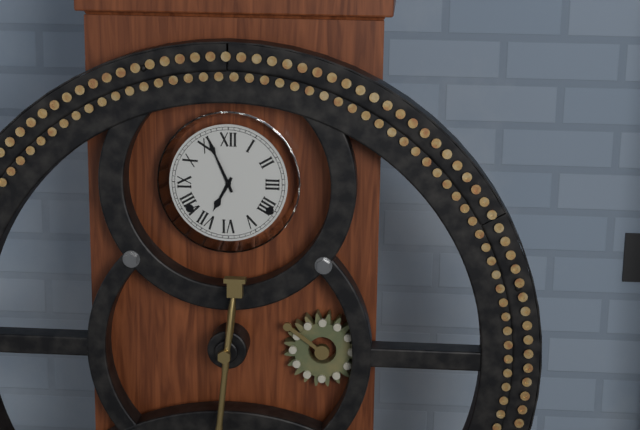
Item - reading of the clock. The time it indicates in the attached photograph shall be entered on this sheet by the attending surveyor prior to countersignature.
6:56
